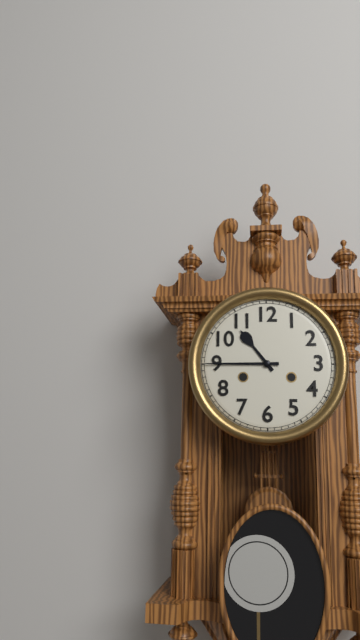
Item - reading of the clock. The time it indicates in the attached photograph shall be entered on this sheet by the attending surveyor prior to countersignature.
10:45
